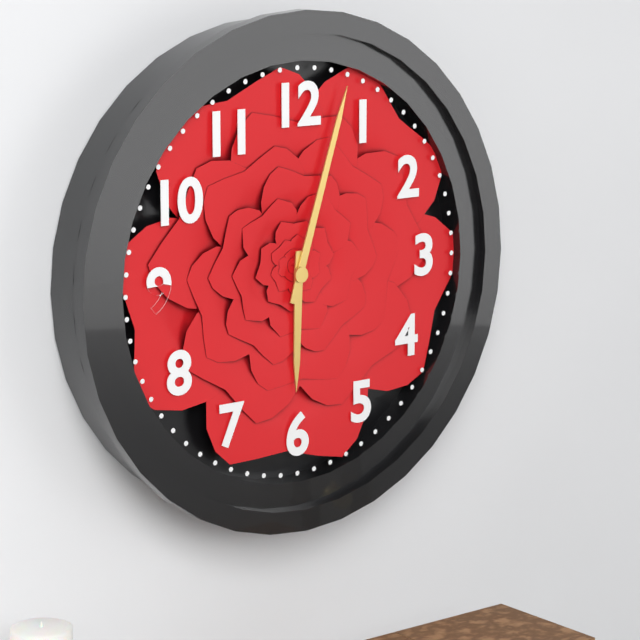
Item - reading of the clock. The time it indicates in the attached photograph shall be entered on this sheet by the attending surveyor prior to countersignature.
6:03
